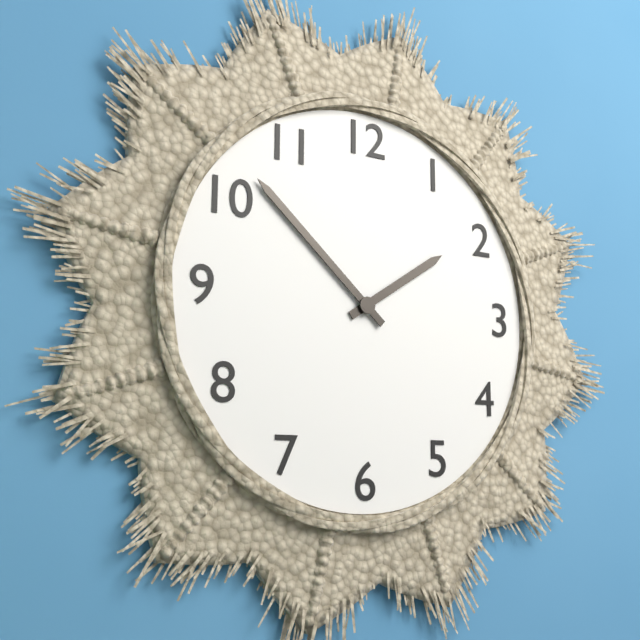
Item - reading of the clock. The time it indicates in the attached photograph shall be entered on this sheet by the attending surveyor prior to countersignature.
1:52
